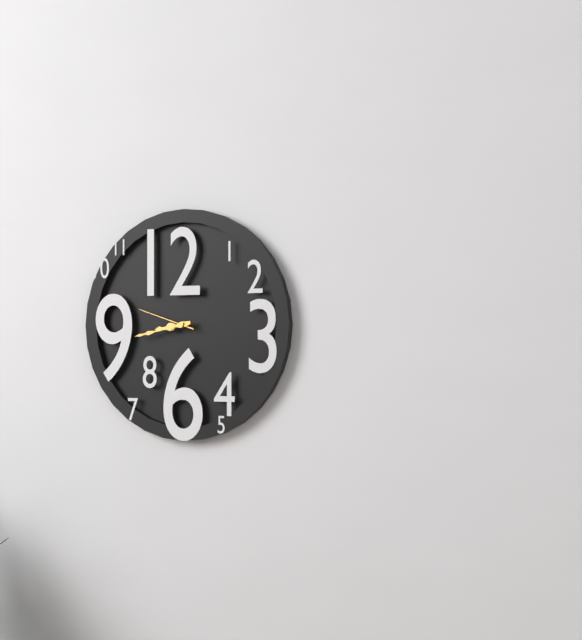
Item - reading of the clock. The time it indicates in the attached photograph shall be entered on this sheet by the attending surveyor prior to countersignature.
8:43:48
